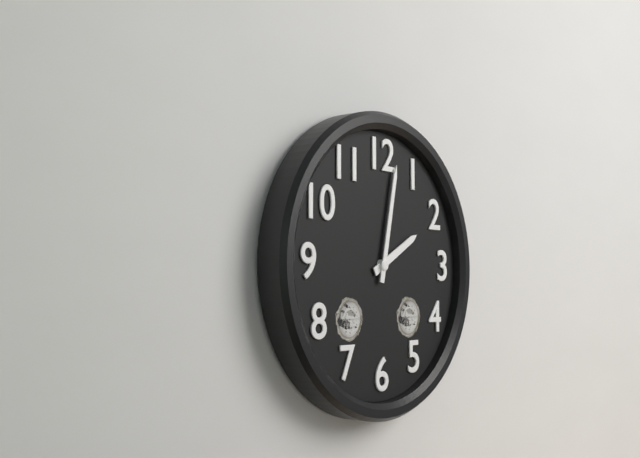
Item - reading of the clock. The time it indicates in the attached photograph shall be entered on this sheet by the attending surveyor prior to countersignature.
2:02
